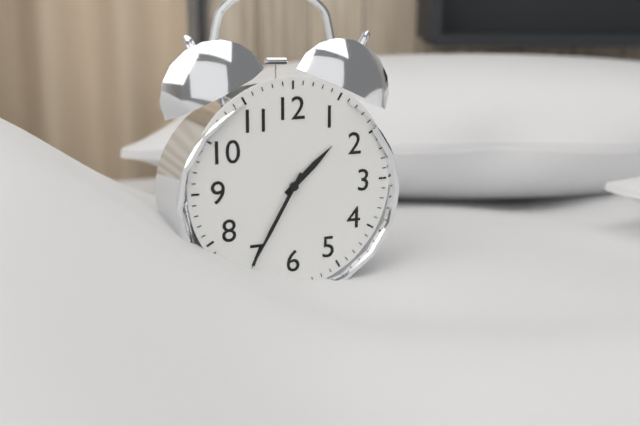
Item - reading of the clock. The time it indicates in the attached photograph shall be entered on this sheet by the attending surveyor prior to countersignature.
1:35
